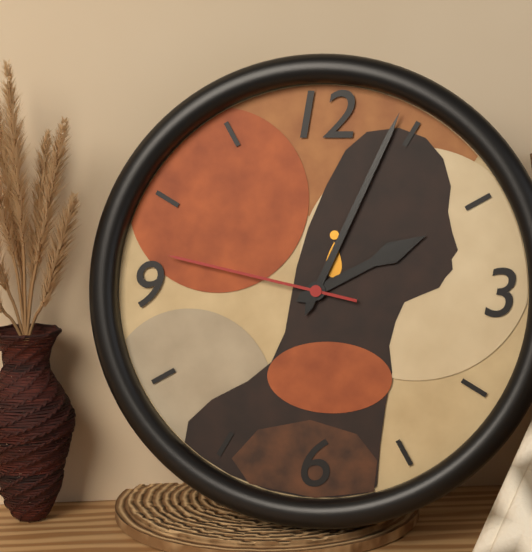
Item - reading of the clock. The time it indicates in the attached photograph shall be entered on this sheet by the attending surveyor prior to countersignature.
2:04:47
